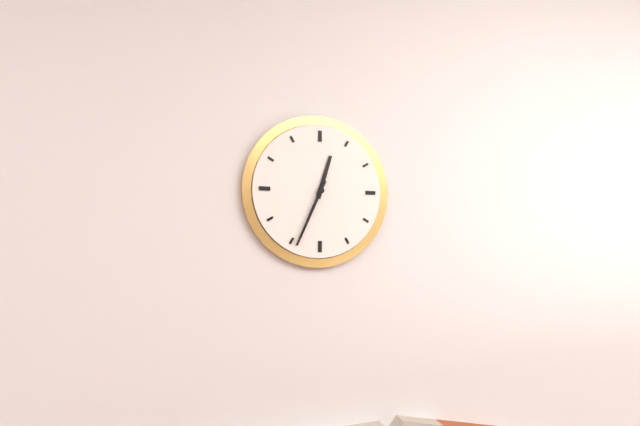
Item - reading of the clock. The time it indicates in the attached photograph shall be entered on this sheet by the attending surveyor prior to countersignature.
12:34
